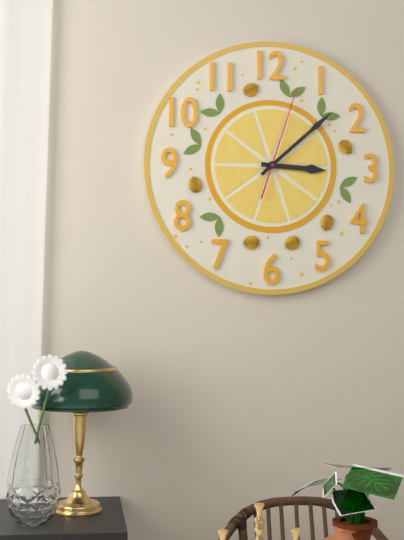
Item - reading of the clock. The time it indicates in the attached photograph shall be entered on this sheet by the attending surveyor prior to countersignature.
3:08:03
